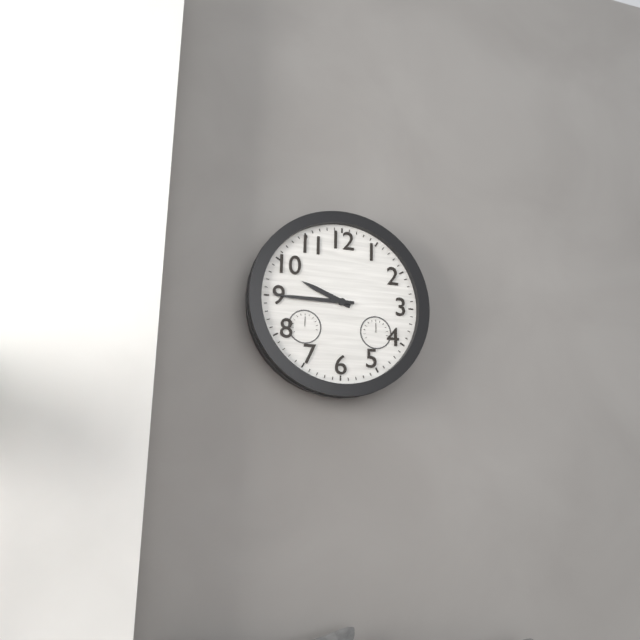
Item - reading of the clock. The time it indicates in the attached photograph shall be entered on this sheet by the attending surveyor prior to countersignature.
9:45
